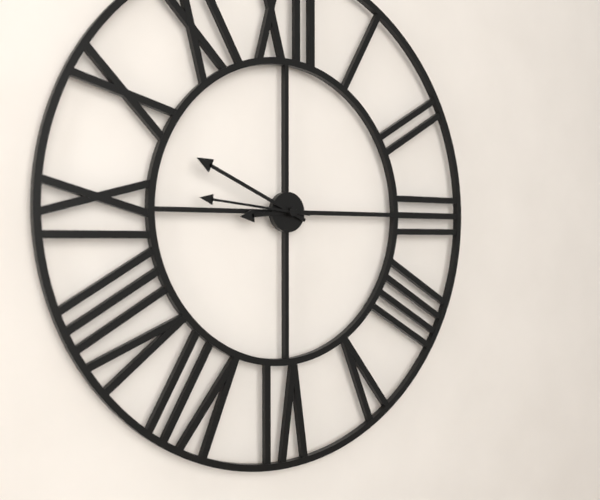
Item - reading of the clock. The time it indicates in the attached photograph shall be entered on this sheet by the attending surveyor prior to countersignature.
8:49:46
